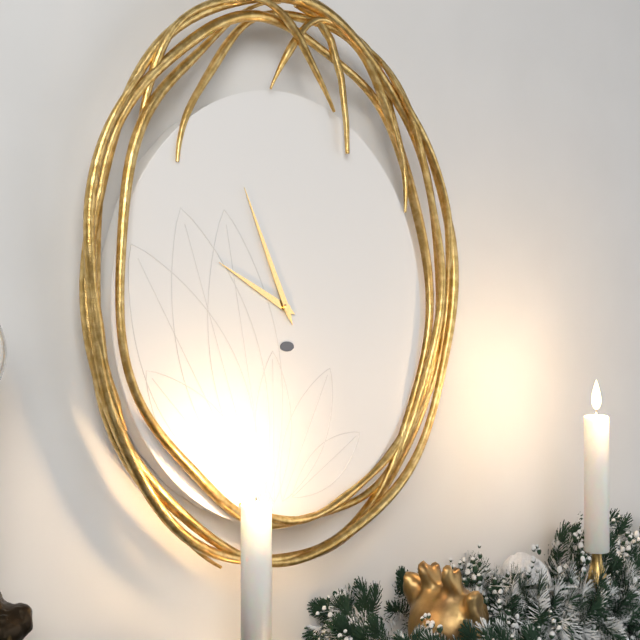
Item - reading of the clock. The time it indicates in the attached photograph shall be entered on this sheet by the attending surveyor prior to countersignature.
9:56
